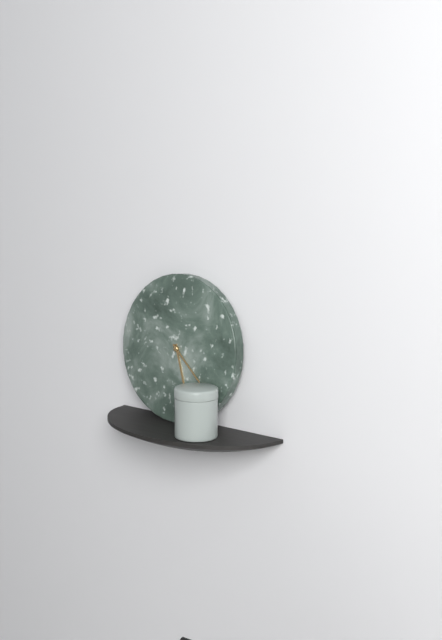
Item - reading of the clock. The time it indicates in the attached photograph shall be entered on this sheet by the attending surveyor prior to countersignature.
5:22
